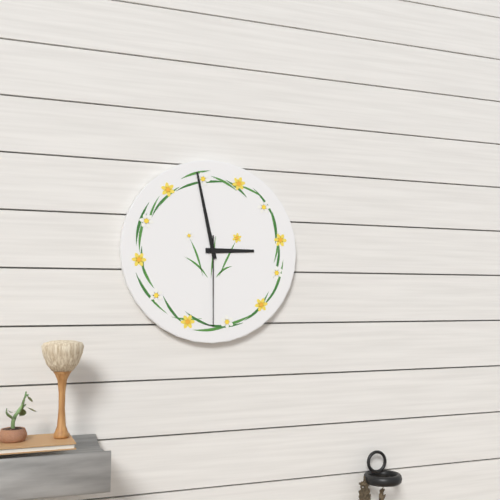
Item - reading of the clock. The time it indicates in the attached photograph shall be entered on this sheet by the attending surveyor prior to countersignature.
2:58:30
